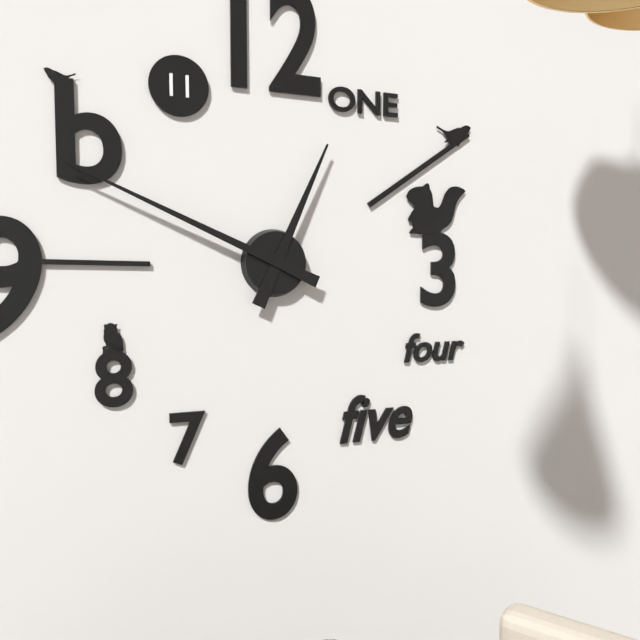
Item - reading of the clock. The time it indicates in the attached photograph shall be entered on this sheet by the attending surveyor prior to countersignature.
12:49
